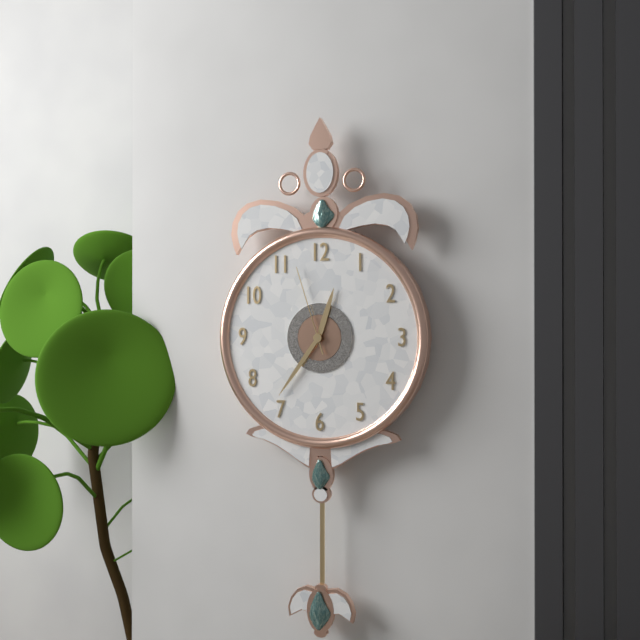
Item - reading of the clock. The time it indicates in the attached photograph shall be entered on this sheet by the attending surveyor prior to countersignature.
12:36:57
